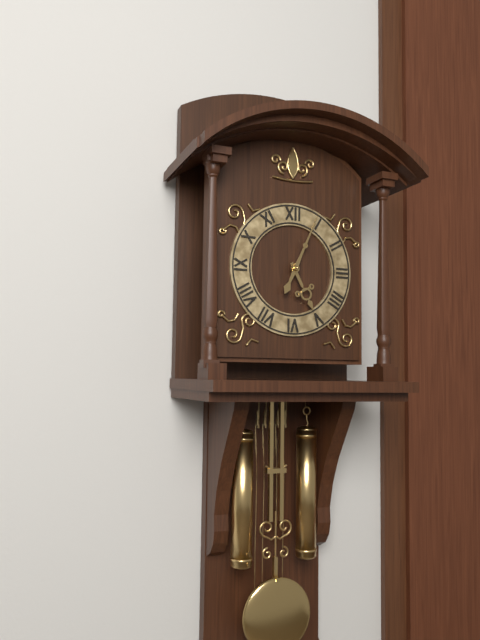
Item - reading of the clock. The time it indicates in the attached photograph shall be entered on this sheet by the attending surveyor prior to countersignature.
5:04
